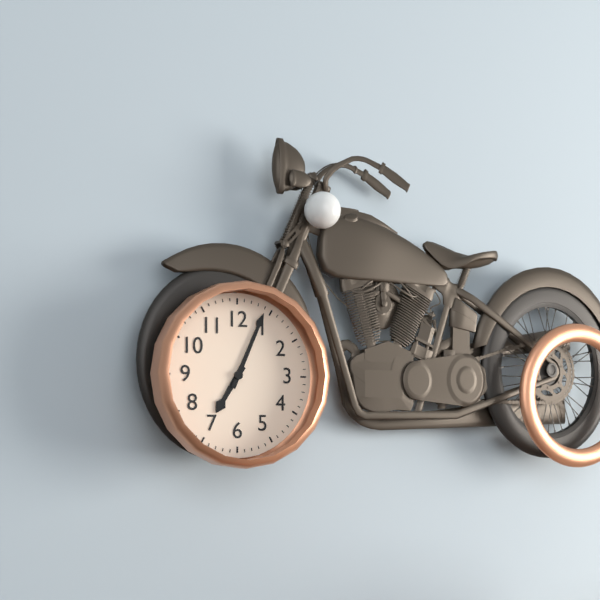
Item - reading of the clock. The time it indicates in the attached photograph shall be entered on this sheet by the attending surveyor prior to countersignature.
7:04
